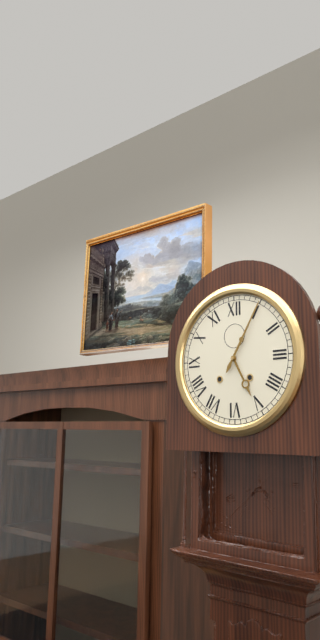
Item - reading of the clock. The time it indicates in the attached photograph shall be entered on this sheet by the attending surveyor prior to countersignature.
5:05
